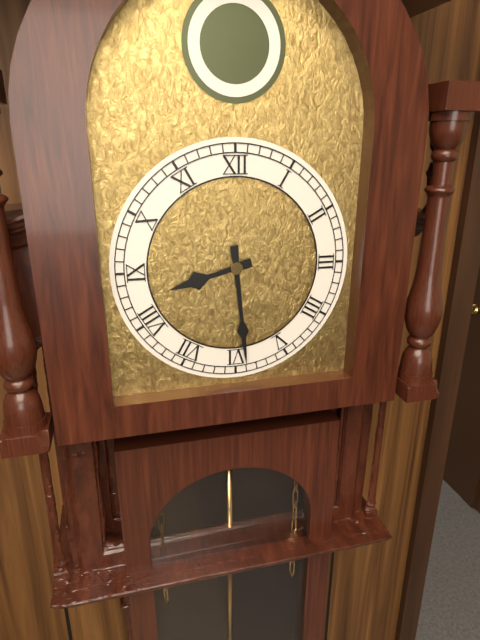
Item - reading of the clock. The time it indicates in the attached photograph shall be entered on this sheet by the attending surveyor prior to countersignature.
8:29
